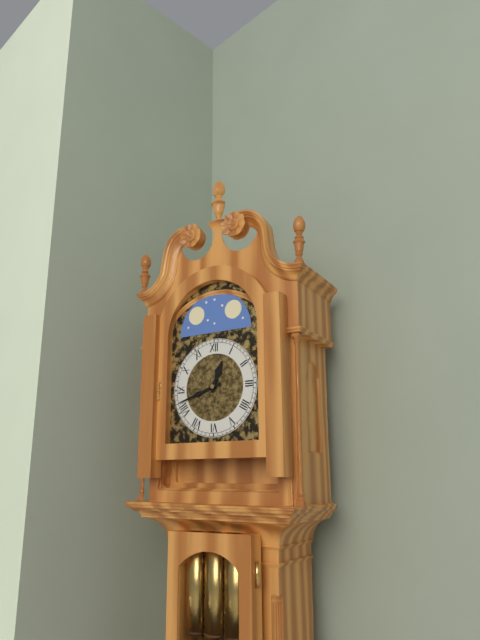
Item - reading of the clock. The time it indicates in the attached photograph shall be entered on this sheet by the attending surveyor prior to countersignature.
12:42
